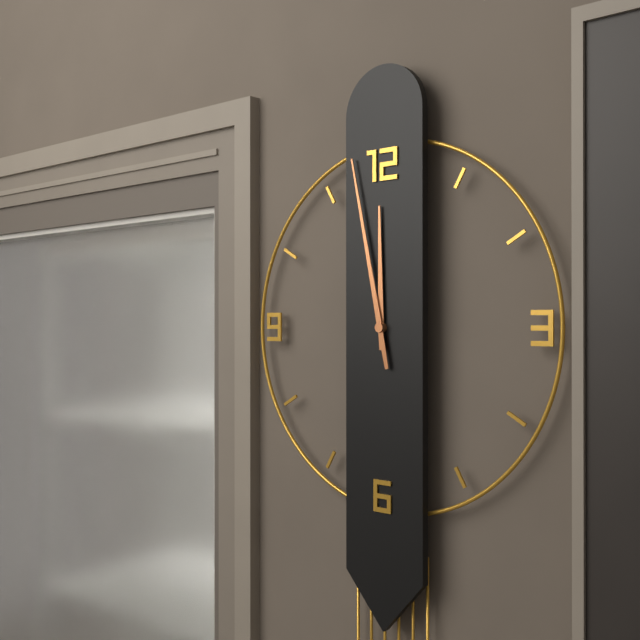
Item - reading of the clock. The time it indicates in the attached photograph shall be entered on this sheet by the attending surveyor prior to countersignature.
11:58
